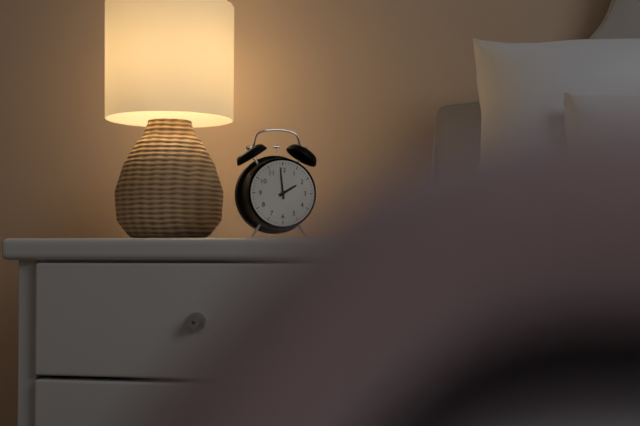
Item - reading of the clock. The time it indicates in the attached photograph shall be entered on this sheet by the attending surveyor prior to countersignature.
1:59
